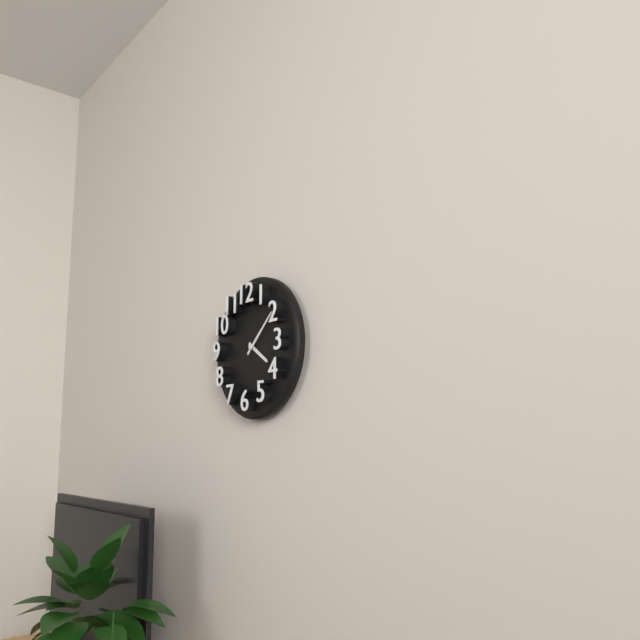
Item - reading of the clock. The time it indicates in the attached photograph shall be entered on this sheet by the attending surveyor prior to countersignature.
4:08
